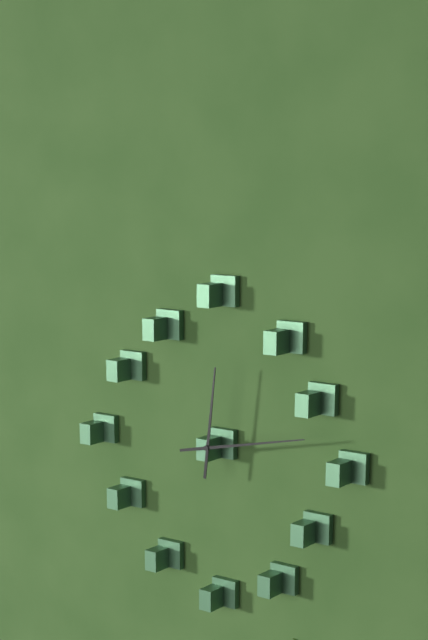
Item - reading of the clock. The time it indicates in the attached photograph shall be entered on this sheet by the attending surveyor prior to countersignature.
12:13
